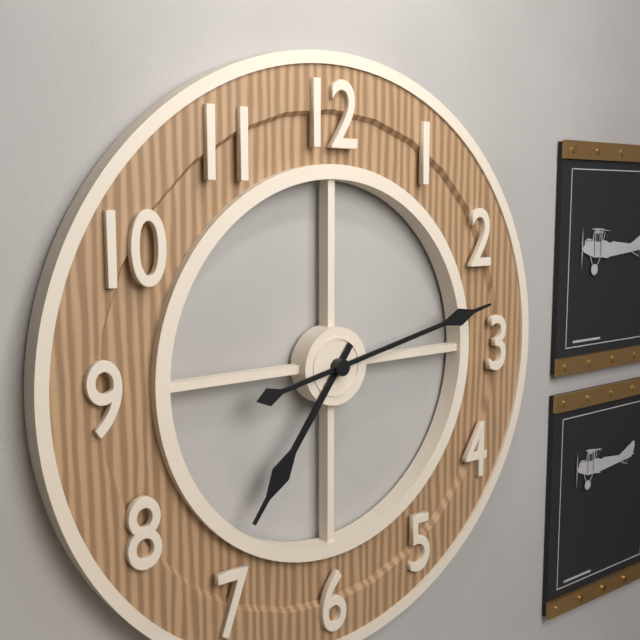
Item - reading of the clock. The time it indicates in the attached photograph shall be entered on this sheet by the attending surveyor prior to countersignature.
7:13
